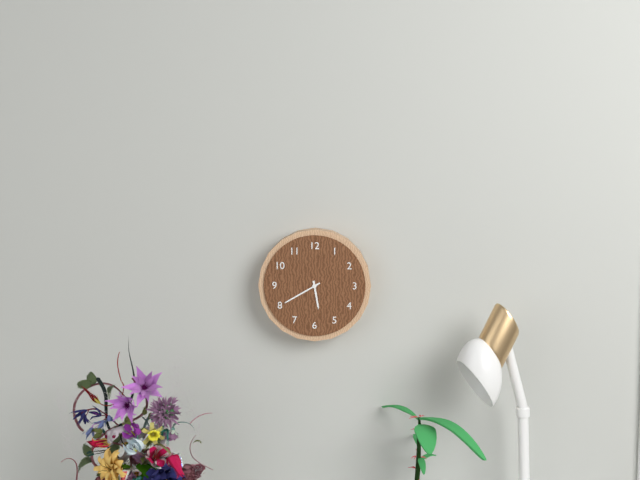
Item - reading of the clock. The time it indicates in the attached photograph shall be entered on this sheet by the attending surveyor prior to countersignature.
5:40
